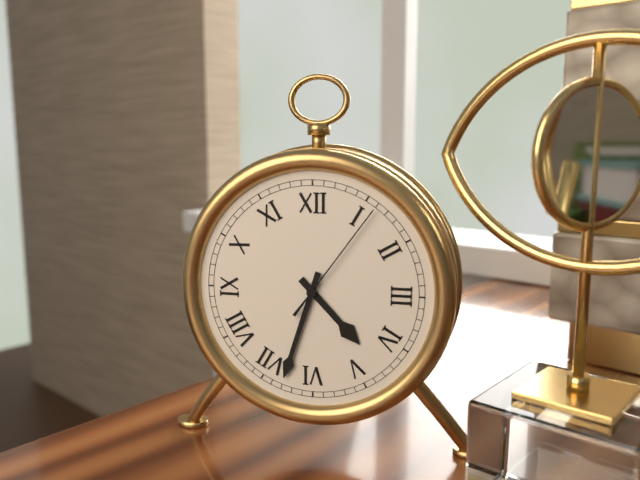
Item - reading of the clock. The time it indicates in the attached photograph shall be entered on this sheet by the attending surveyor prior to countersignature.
4:33:06
